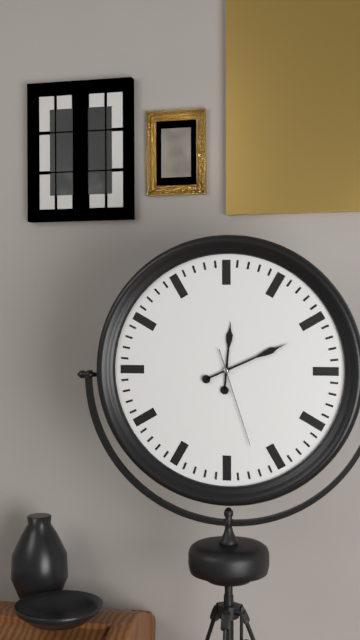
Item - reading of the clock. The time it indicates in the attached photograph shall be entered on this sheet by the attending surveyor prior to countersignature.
12:11:27
